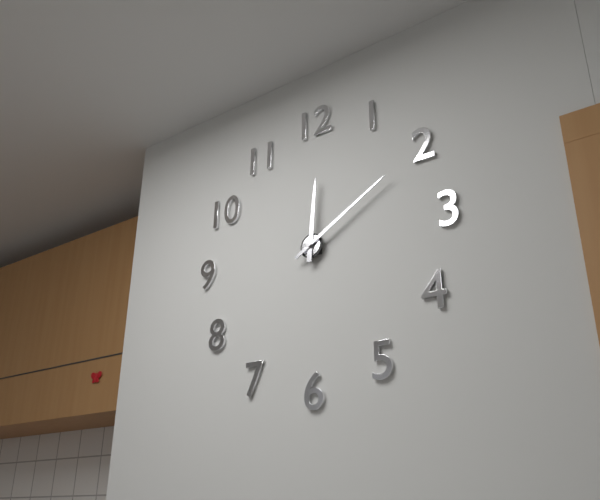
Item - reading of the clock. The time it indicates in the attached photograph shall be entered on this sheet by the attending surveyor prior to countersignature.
12:10
